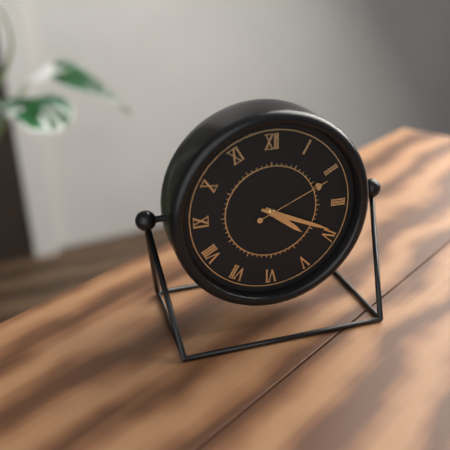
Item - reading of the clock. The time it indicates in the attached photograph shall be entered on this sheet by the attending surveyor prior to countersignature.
4:19:11
